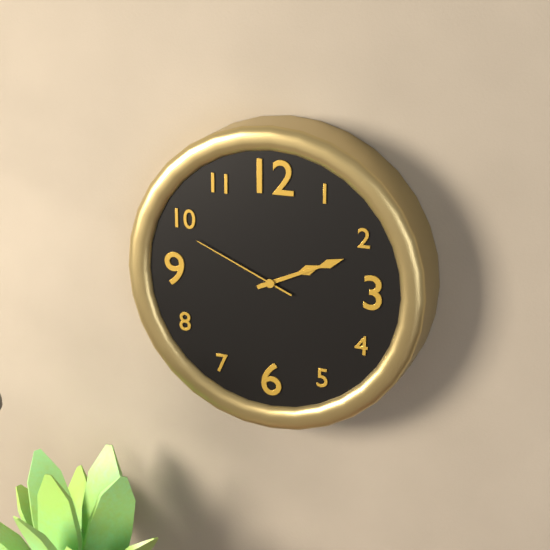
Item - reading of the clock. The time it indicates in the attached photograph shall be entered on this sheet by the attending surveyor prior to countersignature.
2:11:49
